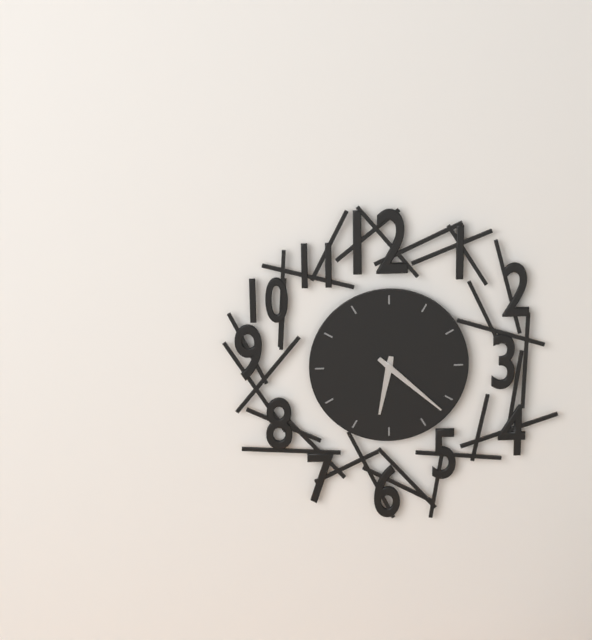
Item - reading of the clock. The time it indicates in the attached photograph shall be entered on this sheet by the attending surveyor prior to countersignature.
6:22
